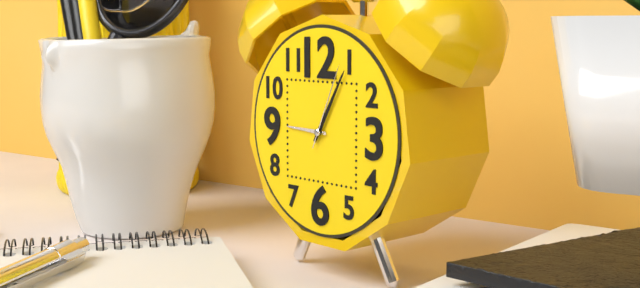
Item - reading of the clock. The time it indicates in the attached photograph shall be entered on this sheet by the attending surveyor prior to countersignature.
9:05:04
